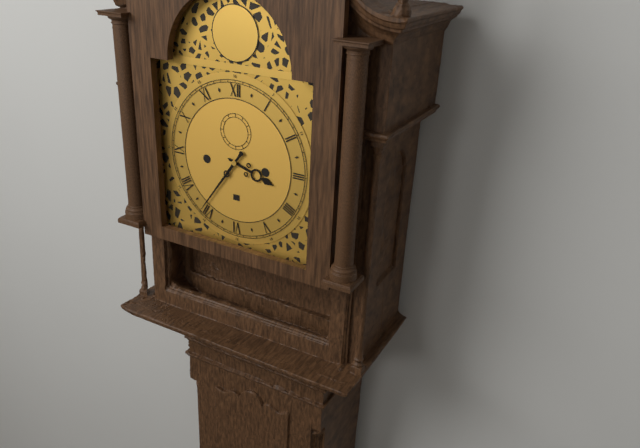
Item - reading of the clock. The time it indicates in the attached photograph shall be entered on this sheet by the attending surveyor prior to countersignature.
3:36
